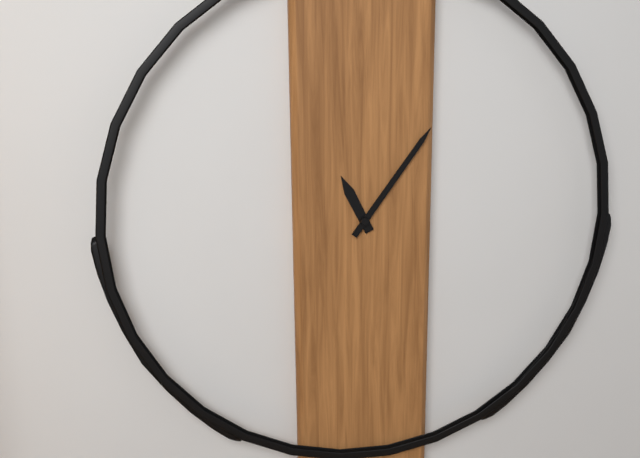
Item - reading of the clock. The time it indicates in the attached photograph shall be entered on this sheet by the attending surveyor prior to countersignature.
11:06
